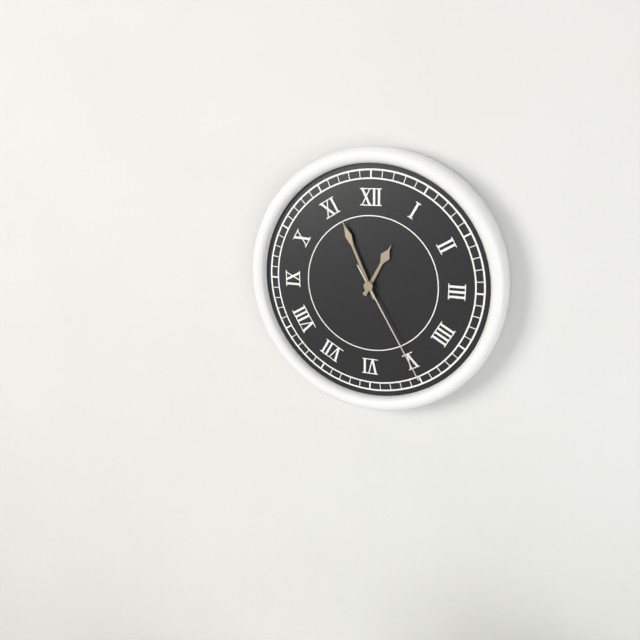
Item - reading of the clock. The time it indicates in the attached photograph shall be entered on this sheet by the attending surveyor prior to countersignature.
12:56:25
